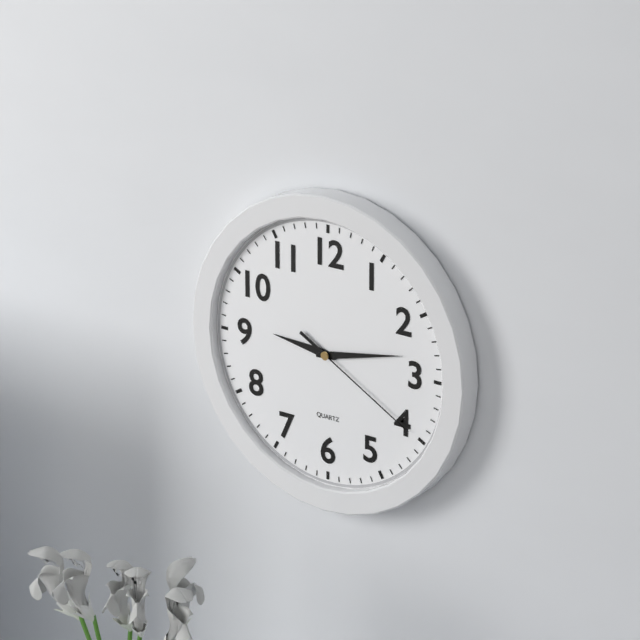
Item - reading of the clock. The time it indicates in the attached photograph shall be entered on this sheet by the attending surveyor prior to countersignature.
9:13:20
